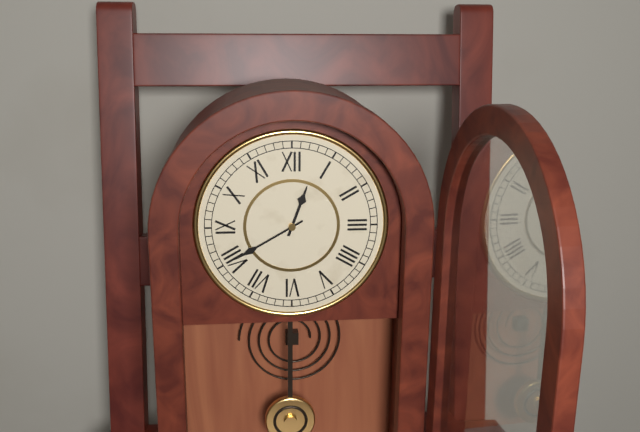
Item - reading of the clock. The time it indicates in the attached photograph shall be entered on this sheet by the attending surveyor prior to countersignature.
12:40
